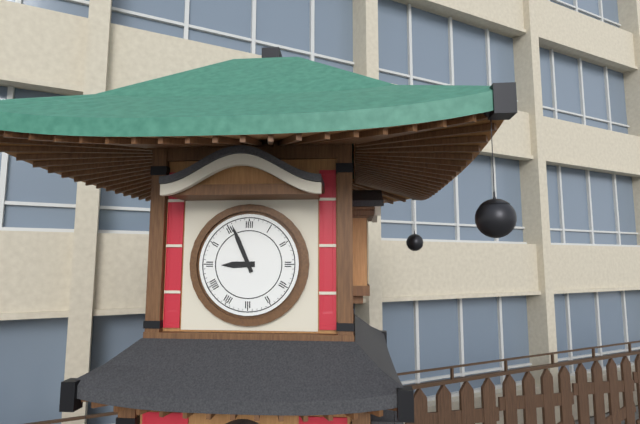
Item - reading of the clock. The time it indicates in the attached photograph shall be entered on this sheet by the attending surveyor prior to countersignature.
8:56
